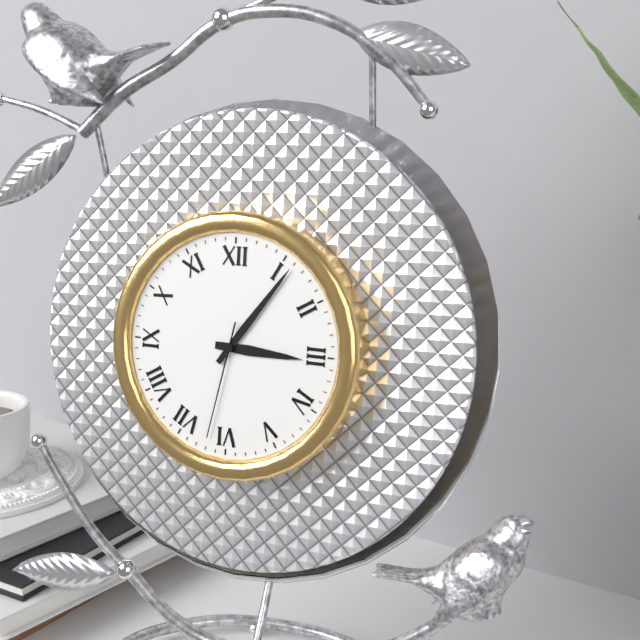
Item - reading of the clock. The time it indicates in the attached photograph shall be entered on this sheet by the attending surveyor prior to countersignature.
3:06:32
